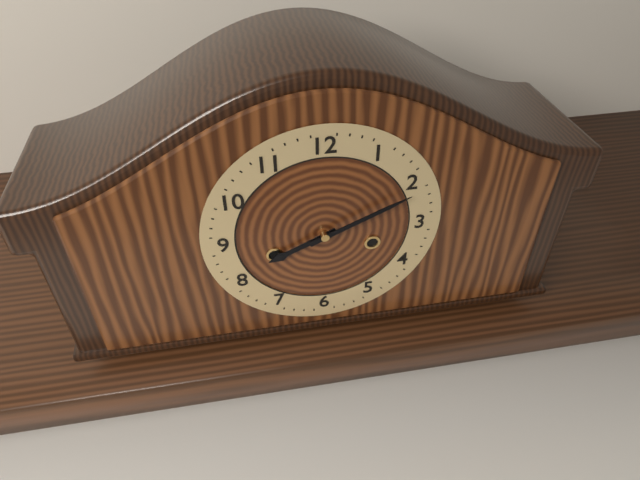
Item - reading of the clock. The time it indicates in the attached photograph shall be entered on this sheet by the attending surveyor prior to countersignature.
8:11
